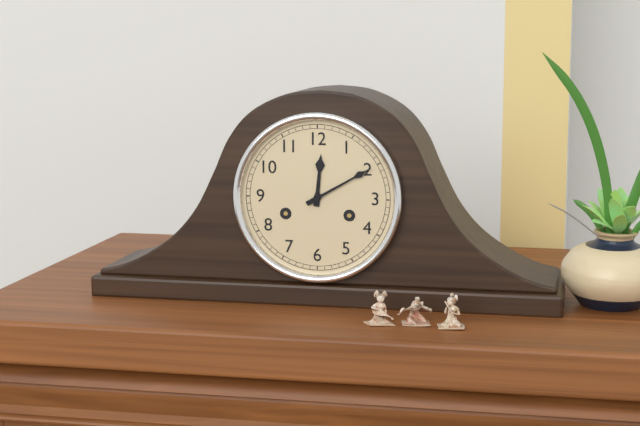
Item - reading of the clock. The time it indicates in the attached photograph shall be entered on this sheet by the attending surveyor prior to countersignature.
12:10
